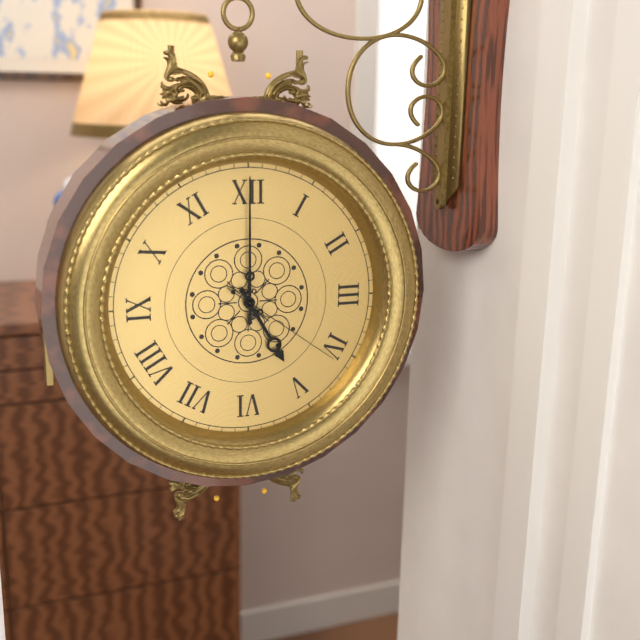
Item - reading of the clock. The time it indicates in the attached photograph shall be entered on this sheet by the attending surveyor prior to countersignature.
5:00:21
